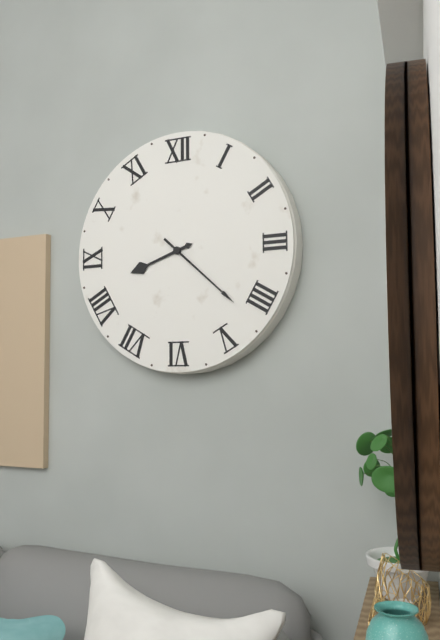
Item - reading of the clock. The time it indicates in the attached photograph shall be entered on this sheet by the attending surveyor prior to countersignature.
8:22
